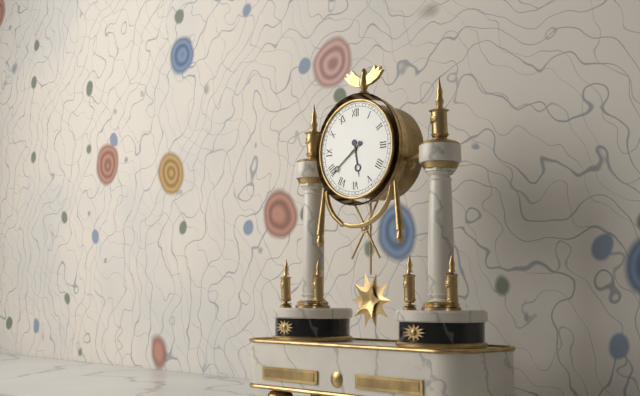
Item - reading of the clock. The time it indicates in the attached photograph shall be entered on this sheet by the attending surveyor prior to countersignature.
5:39
